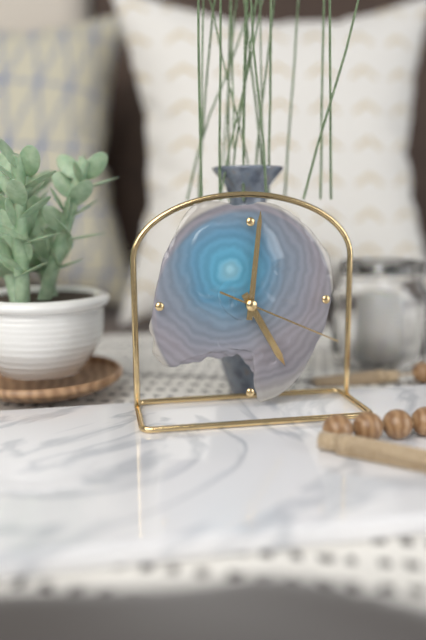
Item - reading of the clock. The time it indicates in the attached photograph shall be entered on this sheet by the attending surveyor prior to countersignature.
5:01:19
